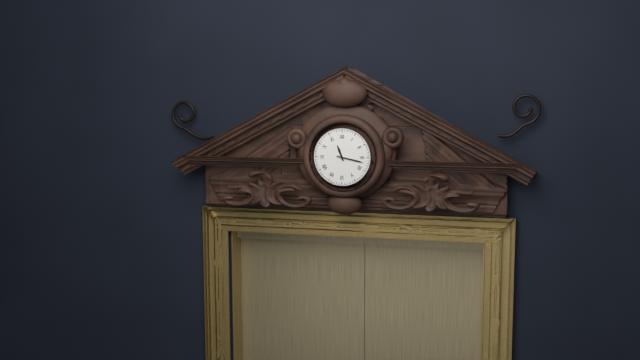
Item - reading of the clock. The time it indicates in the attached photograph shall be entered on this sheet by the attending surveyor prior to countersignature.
11:17
